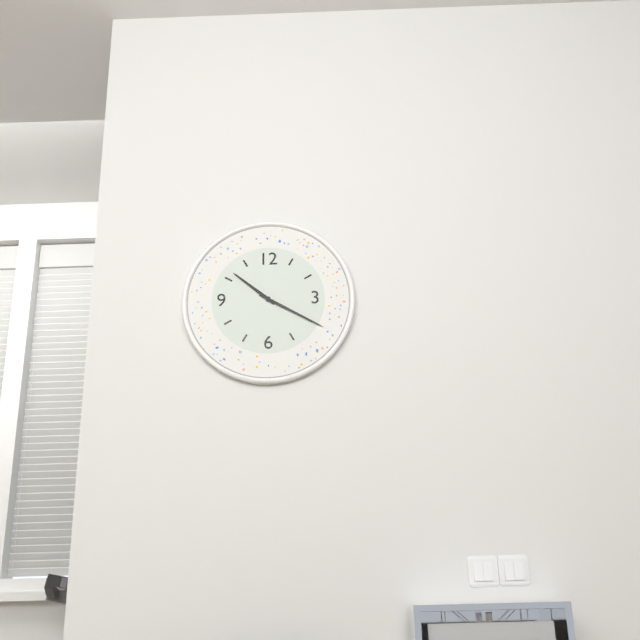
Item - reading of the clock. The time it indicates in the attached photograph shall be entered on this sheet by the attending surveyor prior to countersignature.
10:20
